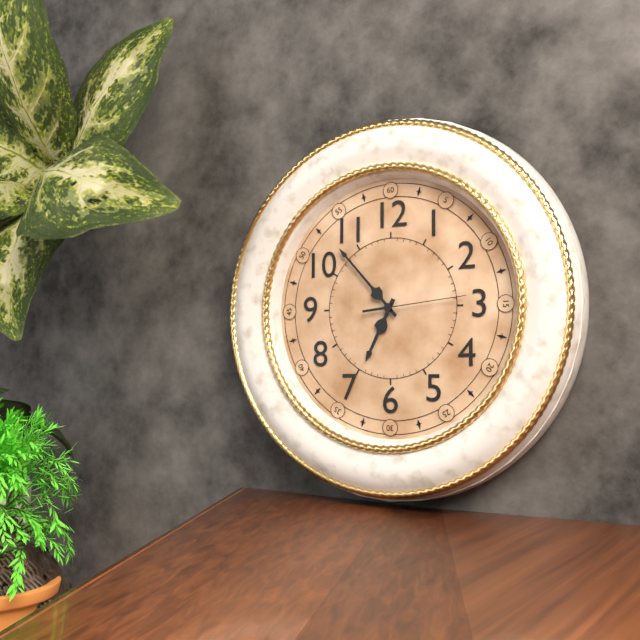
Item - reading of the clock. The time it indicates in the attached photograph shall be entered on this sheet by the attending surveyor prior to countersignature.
6:53:14
